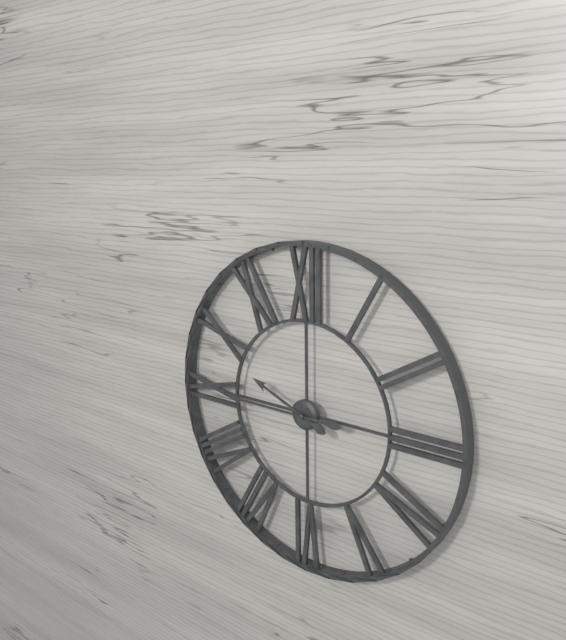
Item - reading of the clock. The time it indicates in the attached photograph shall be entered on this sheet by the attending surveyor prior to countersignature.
9:45
